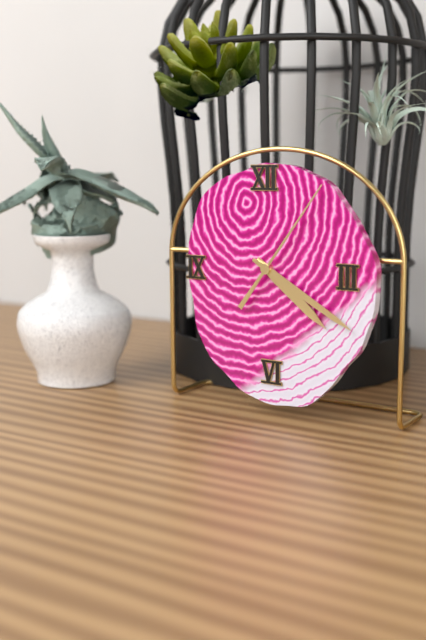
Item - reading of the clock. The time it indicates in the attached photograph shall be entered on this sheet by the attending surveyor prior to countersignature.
4:20:06
